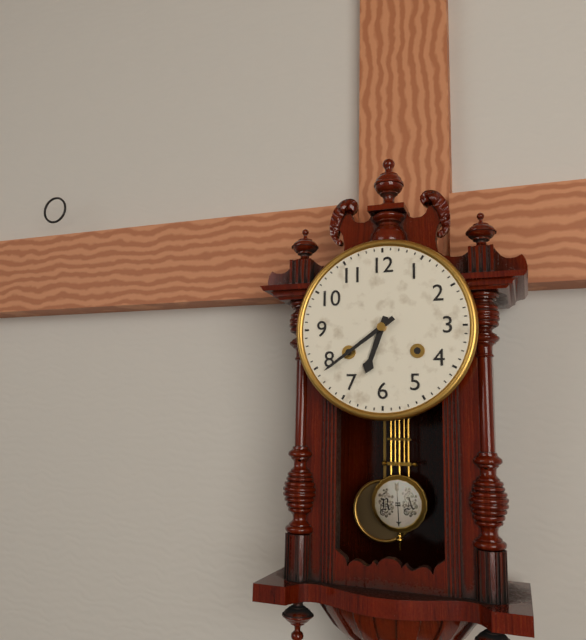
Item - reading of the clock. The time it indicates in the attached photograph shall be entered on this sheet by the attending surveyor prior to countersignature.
6:39
